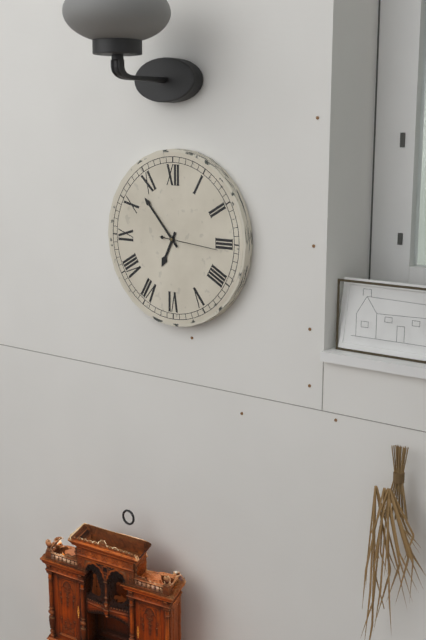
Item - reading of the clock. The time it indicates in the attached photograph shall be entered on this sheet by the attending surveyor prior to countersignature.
6:53:16
